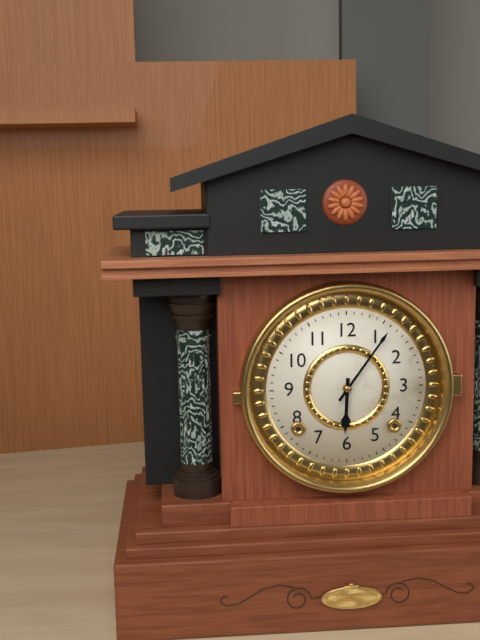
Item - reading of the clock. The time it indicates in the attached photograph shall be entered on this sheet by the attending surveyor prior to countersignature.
6:06
